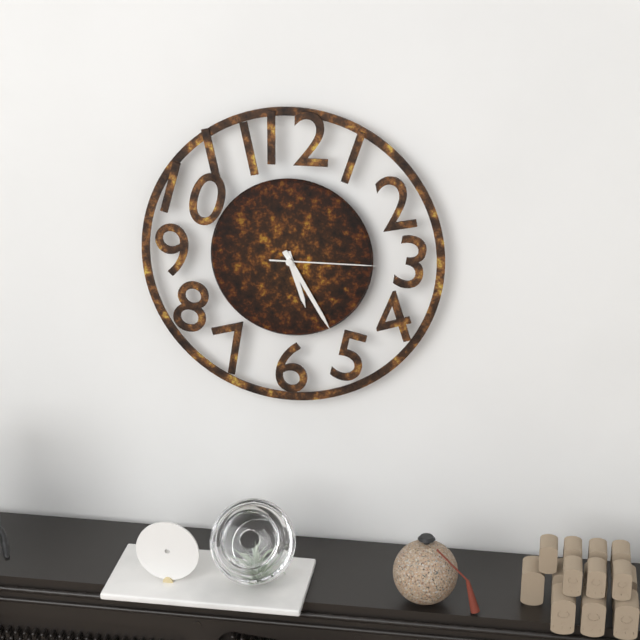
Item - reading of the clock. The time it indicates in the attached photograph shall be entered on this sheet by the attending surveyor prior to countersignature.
5:25:15
